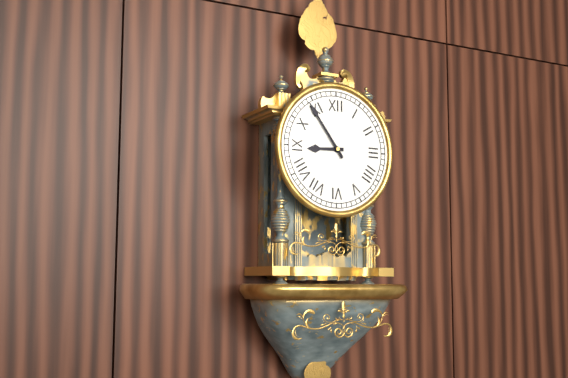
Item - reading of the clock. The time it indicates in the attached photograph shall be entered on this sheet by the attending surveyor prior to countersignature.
8:54
